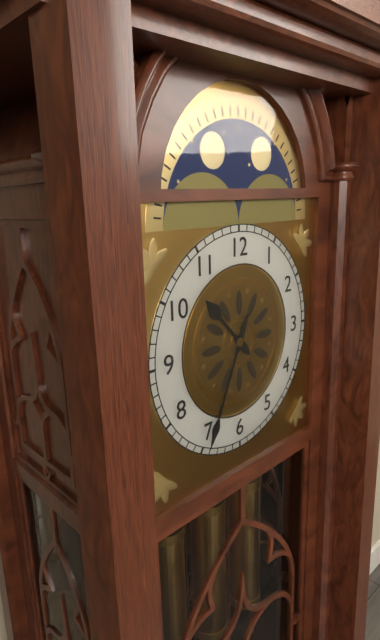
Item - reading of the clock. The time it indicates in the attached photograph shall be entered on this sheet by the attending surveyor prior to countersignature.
10:34
